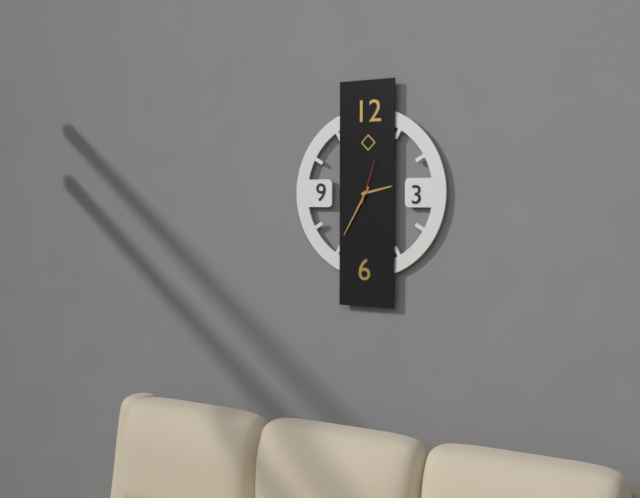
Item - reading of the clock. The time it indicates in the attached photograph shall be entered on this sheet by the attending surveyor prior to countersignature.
2:35
